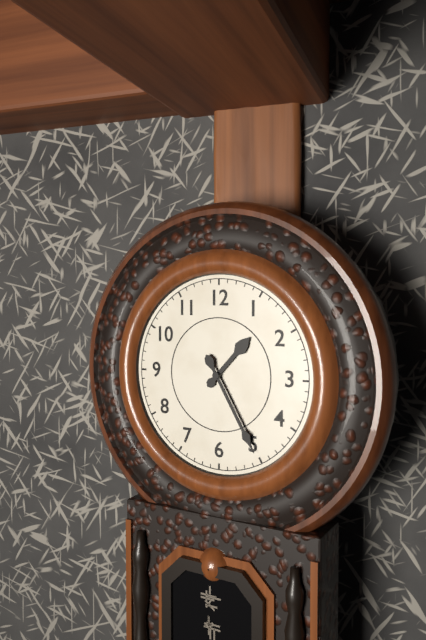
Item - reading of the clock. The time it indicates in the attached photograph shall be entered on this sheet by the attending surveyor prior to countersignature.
1:25
